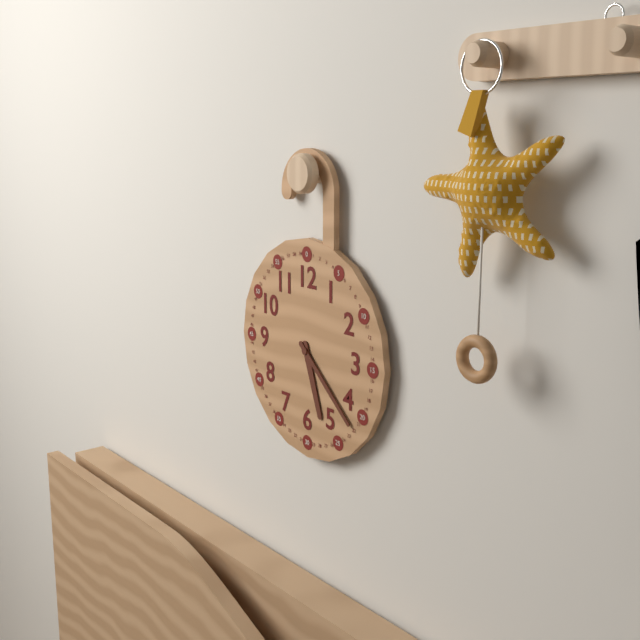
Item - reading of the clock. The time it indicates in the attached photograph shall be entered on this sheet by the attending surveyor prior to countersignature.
5:22
